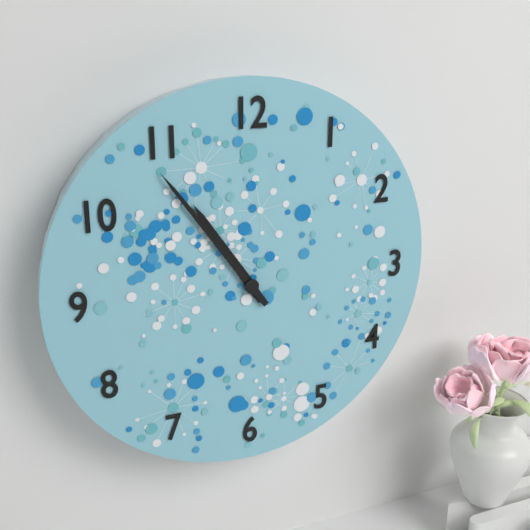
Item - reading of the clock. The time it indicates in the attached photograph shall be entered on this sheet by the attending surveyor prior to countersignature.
10:54
